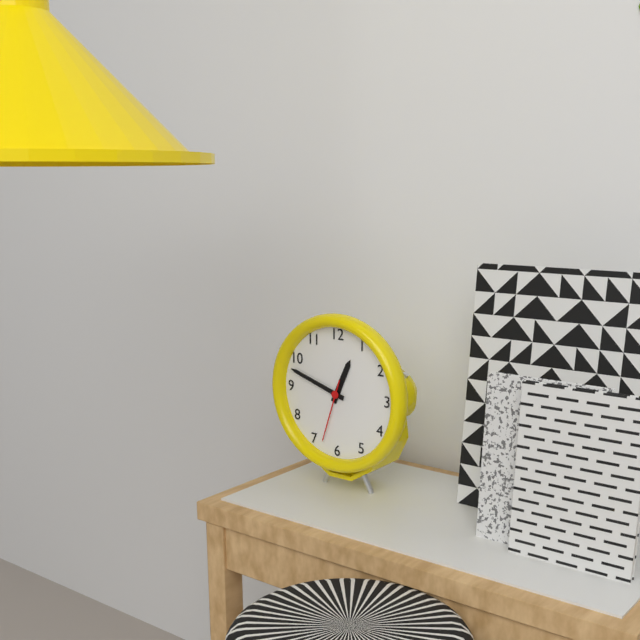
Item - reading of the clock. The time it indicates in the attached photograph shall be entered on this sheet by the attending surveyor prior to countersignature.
12:48:33
